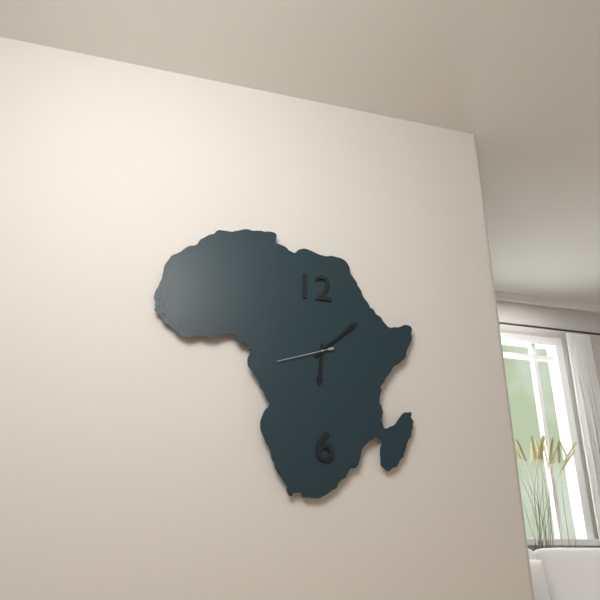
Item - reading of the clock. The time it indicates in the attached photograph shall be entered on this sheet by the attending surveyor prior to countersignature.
6:08:42
